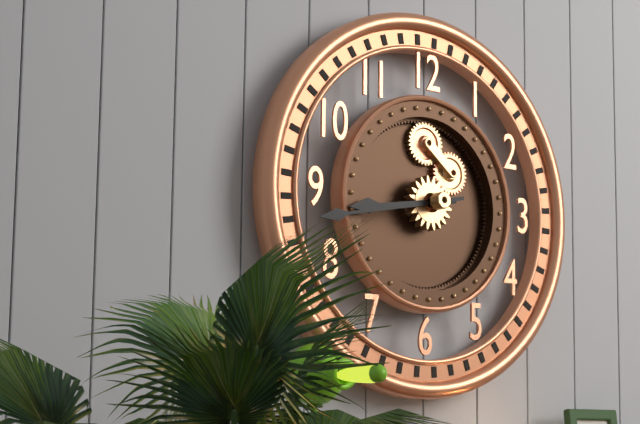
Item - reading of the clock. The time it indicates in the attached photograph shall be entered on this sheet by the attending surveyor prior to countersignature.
8:43
